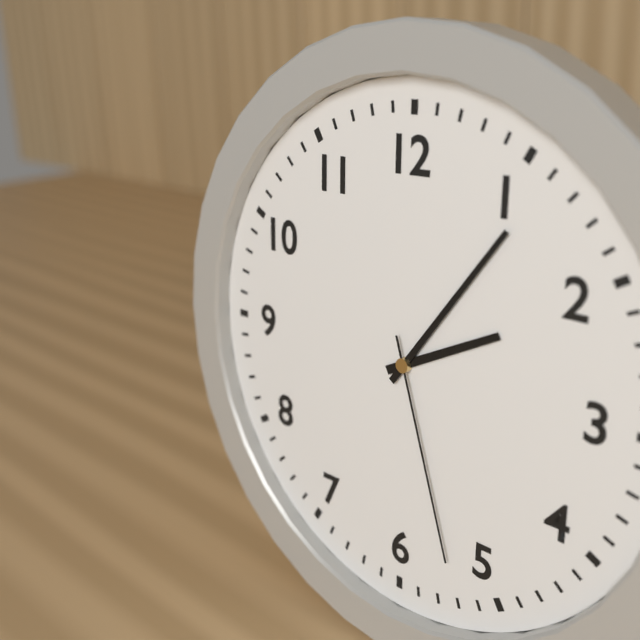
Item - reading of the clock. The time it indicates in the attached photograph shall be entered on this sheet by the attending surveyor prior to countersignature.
2:06:27
